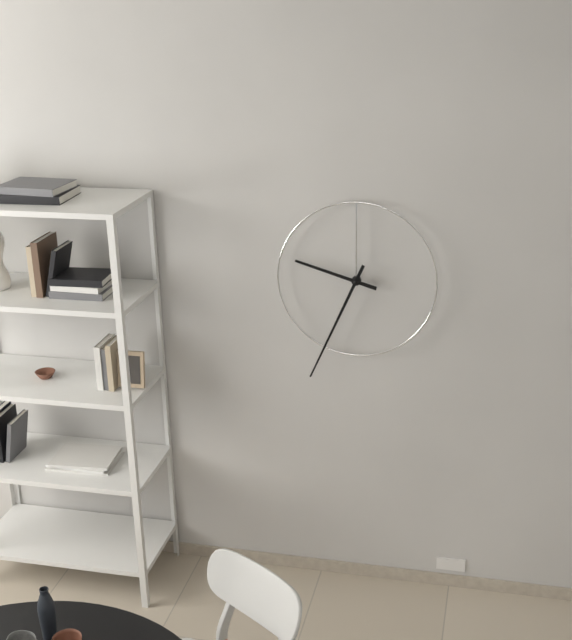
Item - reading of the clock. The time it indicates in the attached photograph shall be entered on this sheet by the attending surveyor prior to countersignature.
9:34
